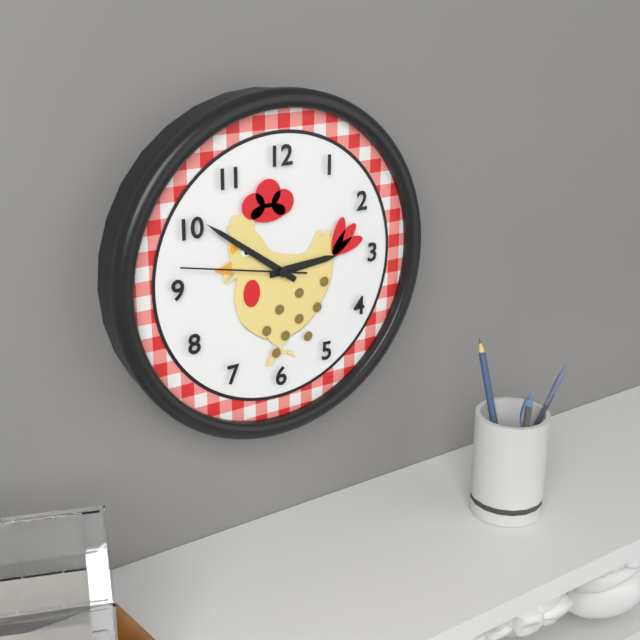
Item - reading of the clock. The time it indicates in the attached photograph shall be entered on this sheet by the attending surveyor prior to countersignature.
2:51:47
